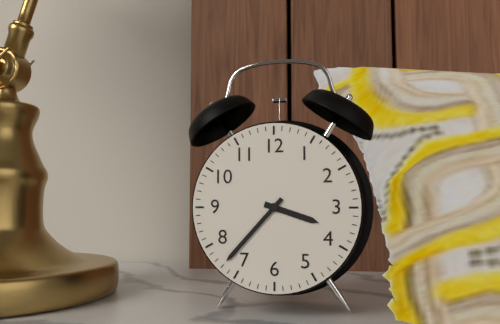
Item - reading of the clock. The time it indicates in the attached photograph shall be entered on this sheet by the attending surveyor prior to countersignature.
3:37
